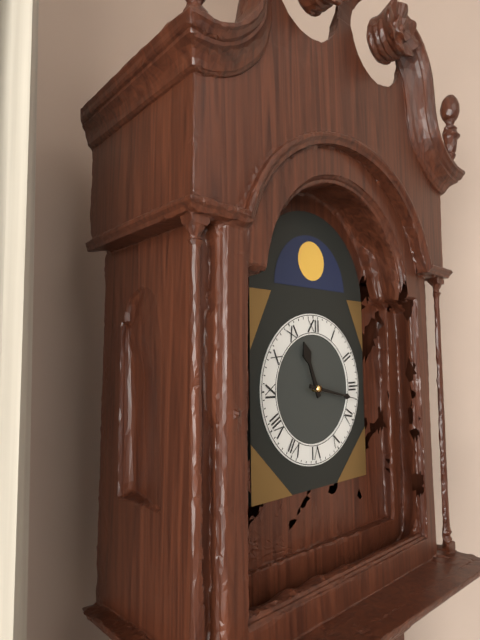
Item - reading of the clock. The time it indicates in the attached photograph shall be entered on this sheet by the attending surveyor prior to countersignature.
11:17
